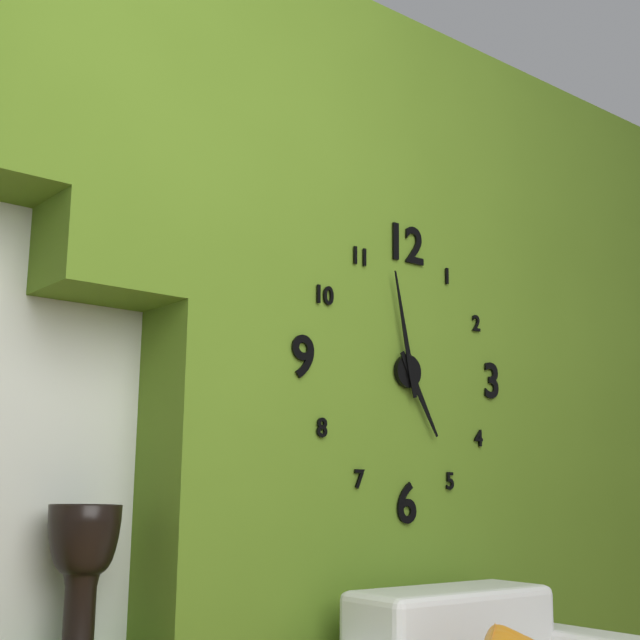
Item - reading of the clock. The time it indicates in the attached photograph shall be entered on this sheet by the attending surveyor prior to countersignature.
4:58
